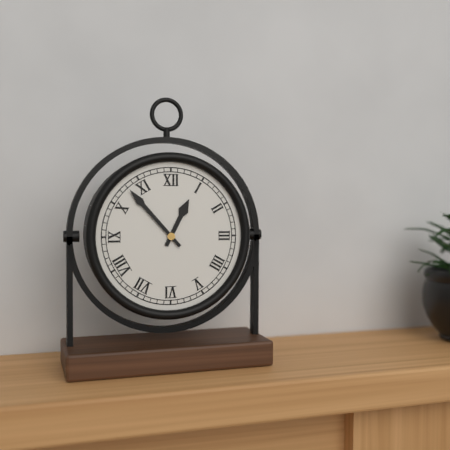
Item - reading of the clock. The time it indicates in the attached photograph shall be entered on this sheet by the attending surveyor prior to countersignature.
12:53
